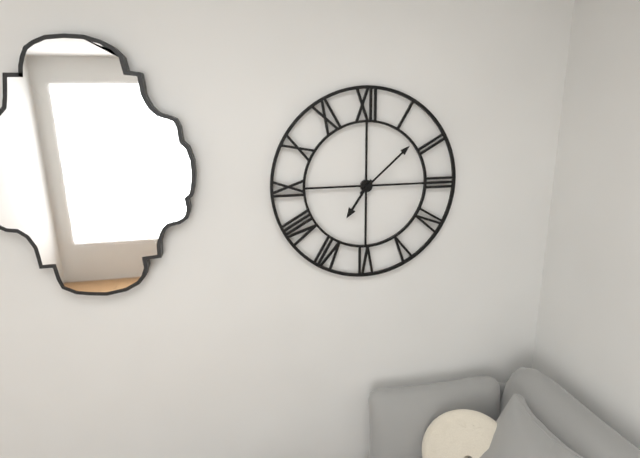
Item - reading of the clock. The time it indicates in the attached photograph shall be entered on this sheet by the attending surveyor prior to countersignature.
7:08
